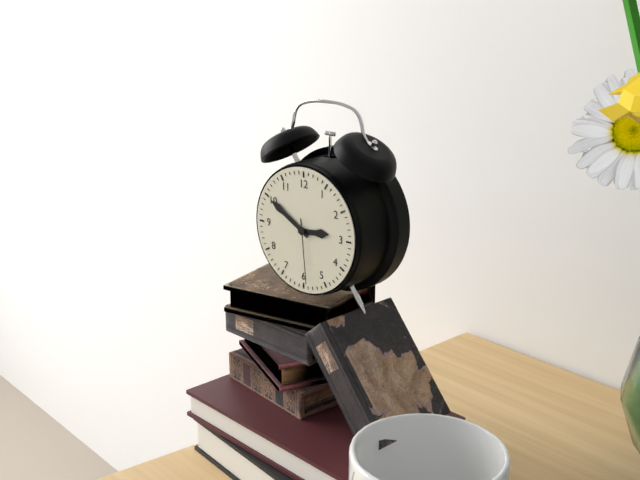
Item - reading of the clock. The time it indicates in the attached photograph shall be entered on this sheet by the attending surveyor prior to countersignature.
2:50:29
